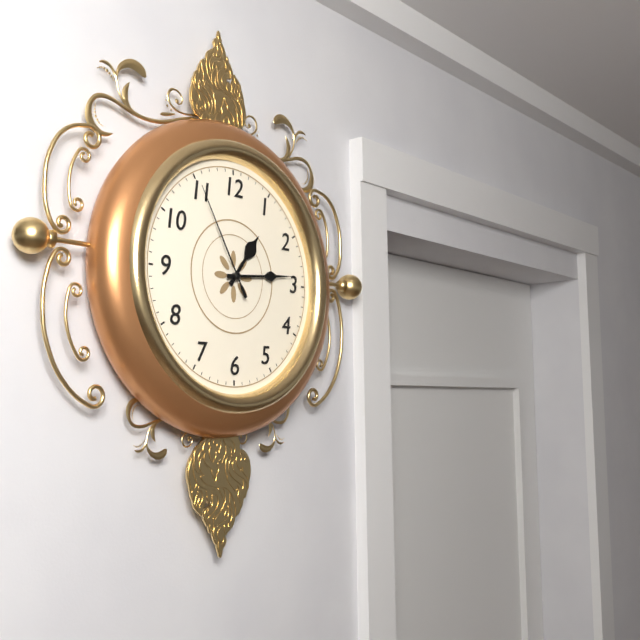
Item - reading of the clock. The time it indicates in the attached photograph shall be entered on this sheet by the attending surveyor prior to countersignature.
1:14:55
